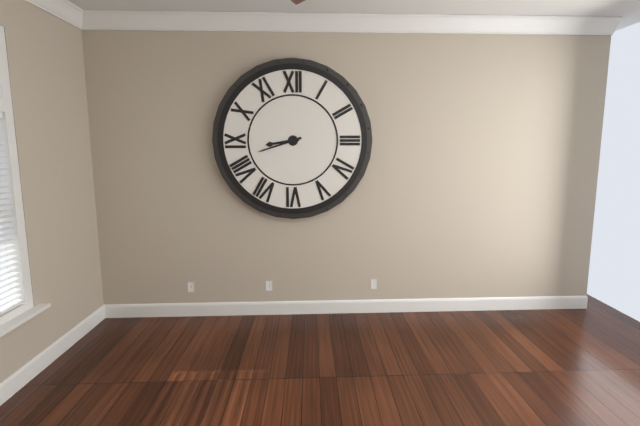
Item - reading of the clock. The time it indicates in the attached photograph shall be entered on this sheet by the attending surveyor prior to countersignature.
8:42
